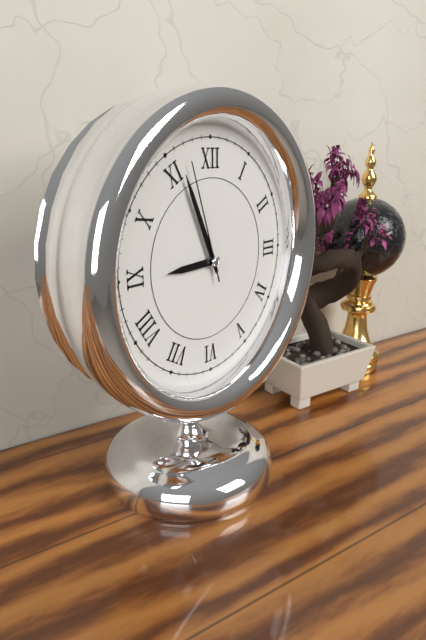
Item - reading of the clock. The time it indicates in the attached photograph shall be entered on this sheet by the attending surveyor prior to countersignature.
8:56:57
